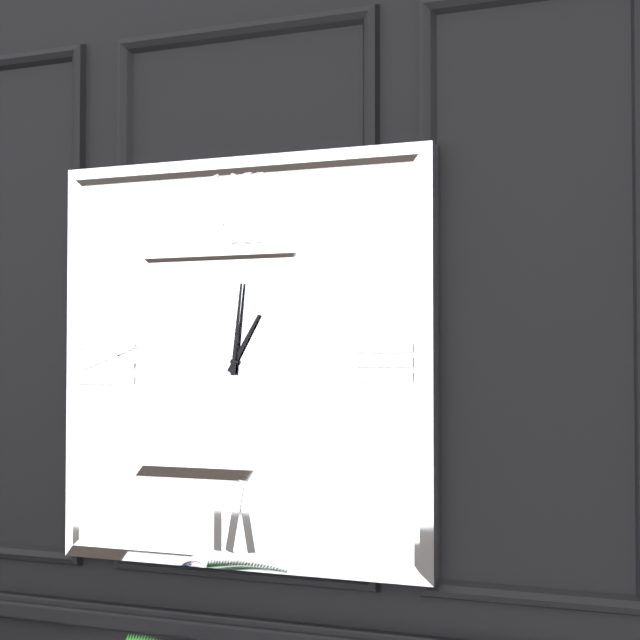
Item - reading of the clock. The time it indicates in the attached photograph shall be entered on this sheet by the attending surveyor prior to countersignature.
1:01
